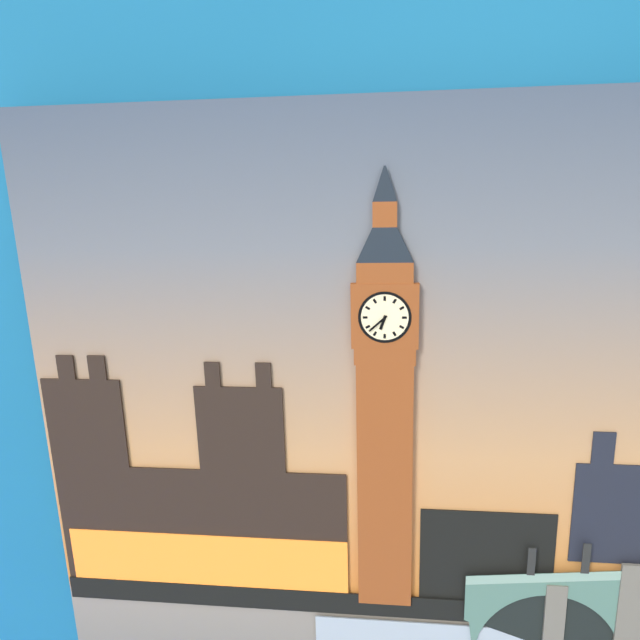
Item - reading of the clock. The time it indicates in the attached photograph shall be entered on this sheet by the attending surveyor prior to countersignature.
6:38
